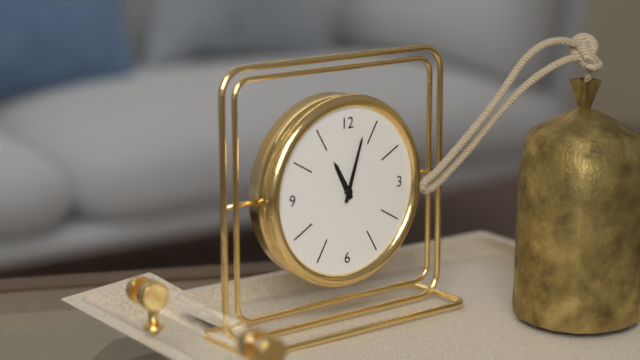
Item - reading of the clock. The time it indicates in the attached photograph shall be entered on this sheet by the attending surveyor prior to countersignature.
11:03
